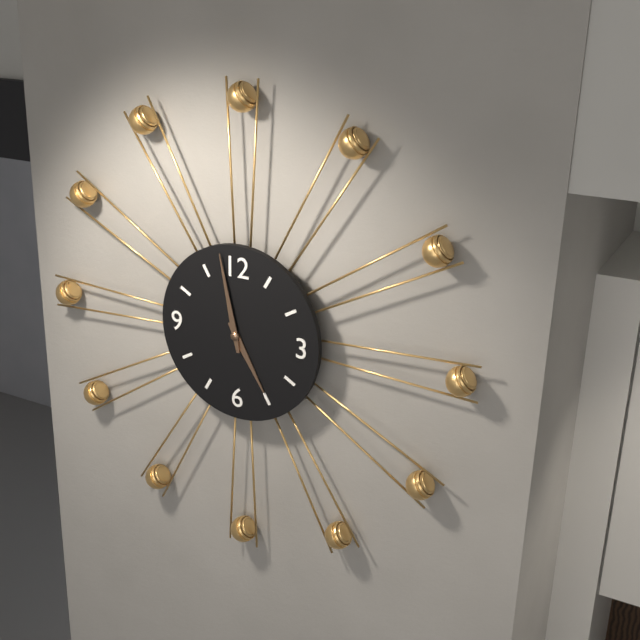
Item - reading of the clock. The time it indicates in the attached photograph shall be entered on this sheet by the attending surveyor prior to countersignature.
4:58
